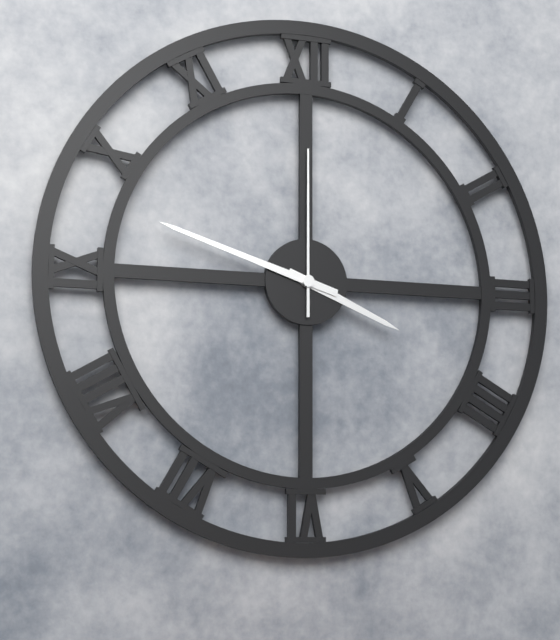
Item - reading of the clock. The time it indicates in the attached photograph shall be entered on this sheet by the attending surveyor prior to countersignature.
3:48:00
